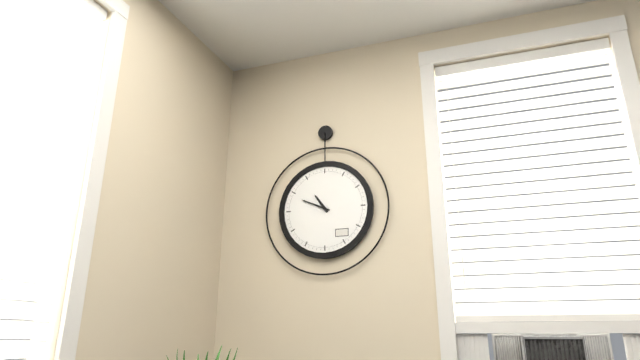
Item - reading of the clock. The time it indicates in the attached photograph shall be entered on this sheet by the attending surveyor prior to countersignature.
10:49
